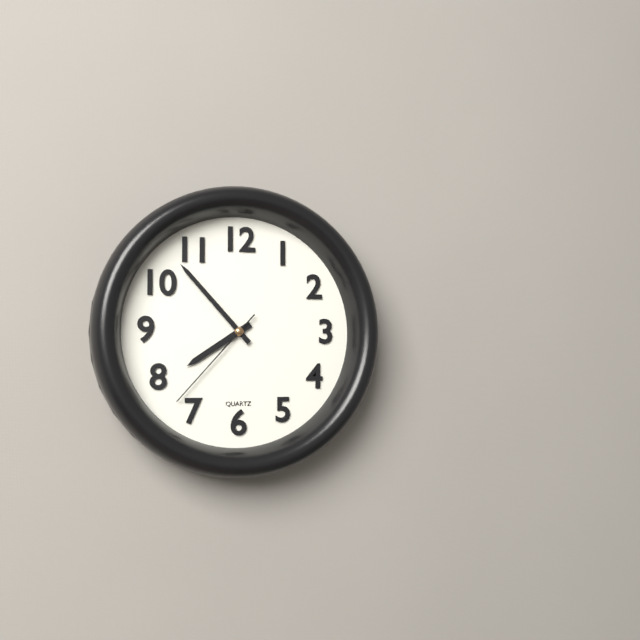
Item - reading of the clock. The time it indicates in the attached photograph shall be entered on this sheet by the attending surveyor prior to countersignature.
7:53:37
